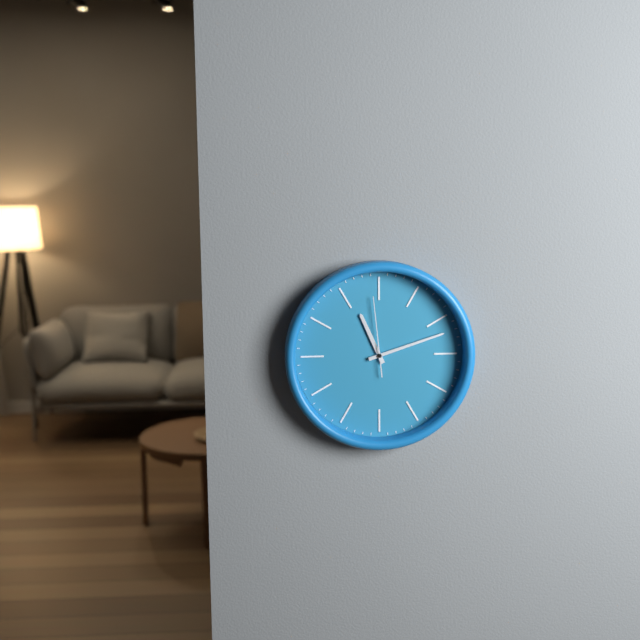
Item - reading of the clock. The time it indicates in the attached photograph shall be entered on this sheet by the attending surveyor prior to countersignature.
11:12:59
